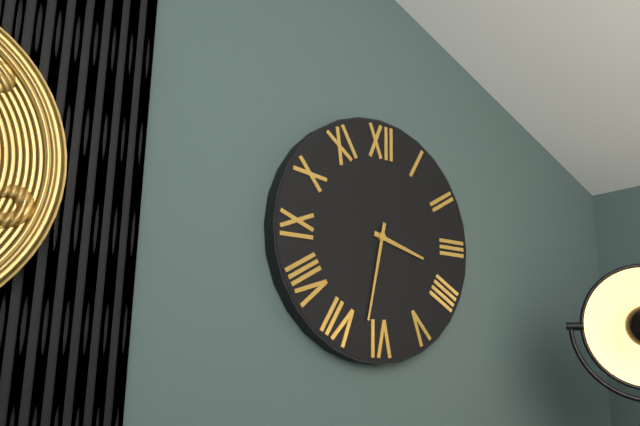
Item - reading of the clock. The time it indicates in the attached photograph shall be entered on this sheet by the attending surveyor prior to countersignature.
3:32
